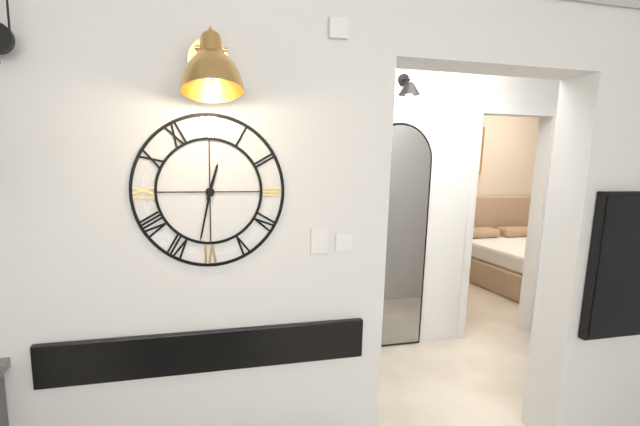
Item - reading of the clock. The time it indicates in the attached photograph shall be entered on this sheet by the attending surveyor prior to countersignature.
12:32
